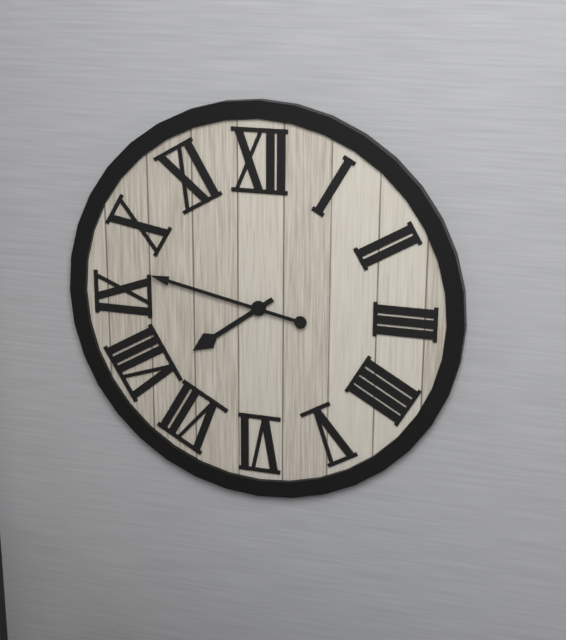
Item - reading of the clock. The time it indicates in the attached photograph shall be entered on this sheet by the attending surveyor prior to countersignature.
7:47
